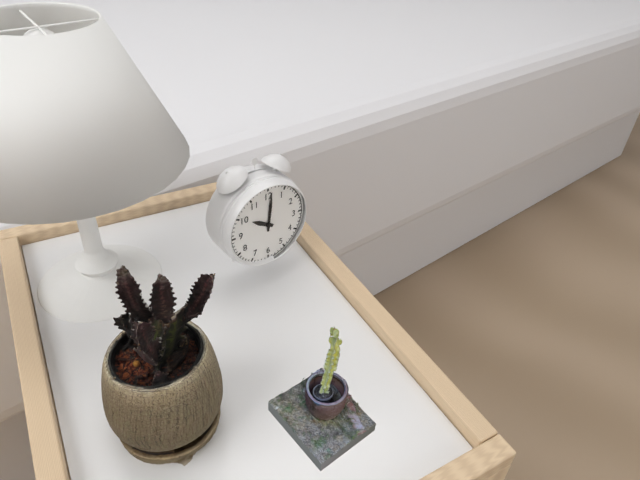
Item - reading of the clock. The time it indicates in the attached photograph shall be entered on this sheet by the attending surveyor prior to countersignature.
10:01
